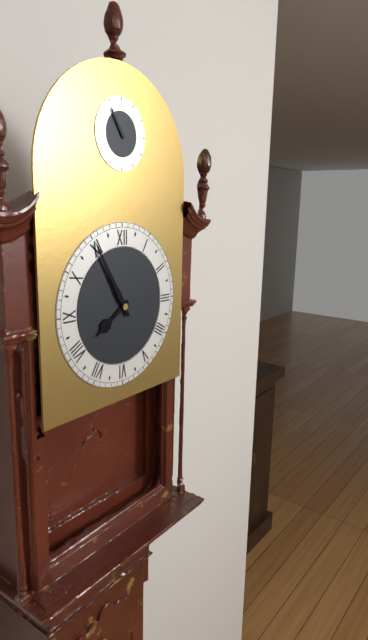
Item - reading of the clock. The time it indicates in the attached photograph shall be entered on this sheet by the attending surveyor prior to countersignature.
7:55
